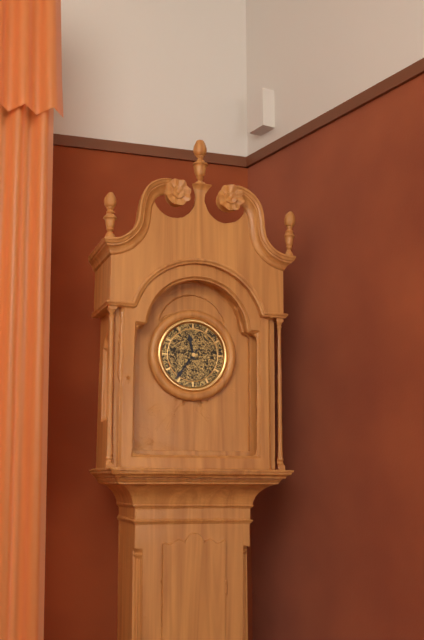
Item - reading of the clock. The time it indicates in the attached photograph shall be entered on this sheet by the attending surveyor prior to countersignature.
11:36
